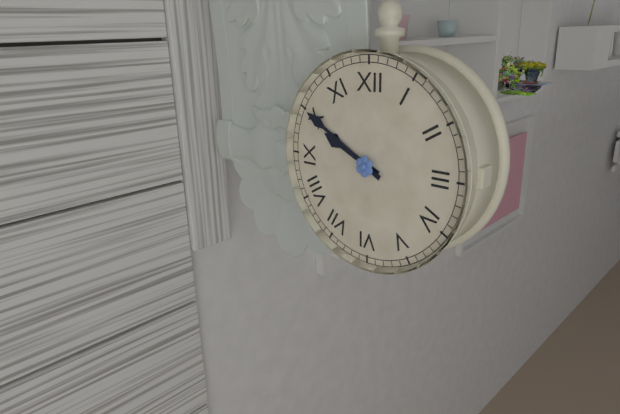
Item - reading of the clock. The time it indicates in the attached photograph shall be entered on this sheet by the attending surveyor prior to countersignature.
9:50
